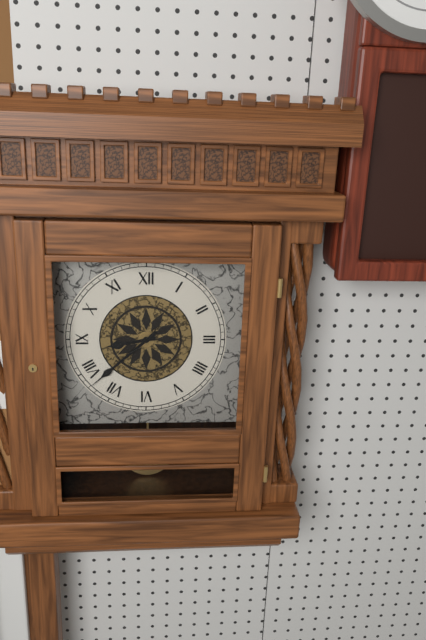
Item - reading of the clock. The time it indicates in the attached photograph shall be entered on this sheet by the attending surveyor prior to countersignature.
8:38
